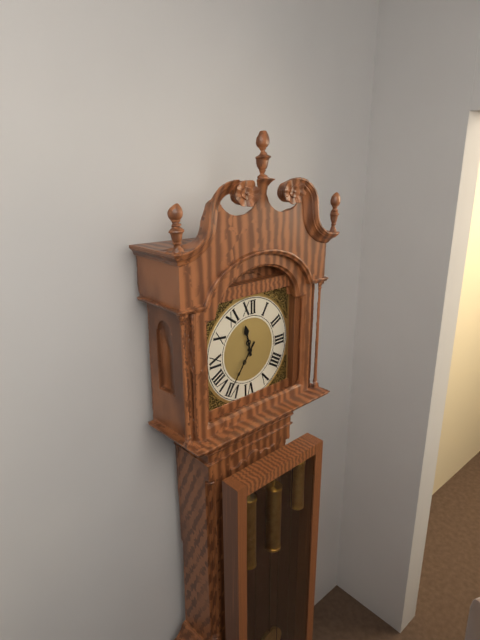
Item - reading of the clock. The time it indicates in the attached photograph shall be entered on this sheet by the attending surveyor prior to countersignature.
11:36
